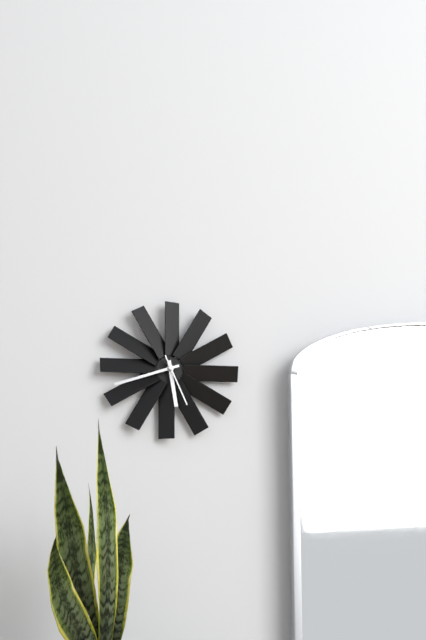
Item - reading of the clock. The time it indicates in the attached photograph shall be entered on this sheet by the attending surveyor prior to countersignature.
5:42:26
